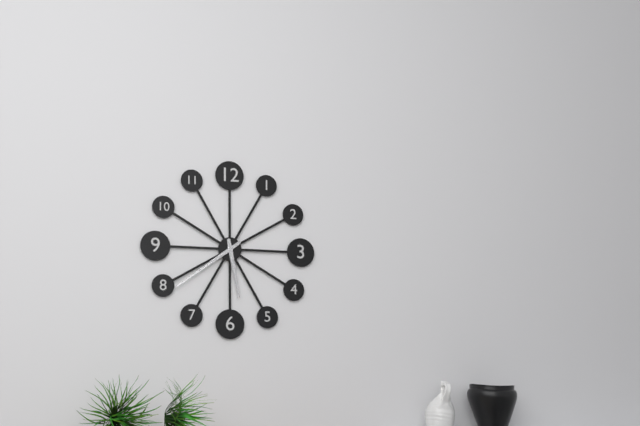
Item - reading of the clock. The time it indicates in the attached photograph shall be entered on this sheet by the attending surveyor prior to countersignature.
5:39
